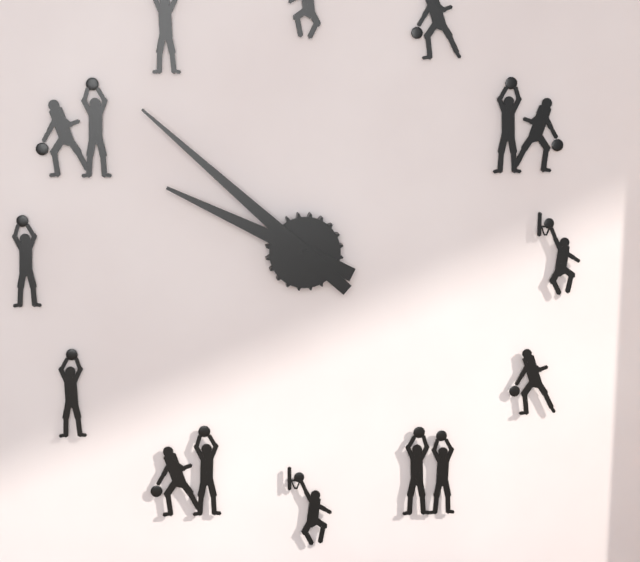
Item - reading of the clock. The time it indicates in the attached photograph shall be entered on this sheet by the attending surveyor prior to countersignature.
9:52
